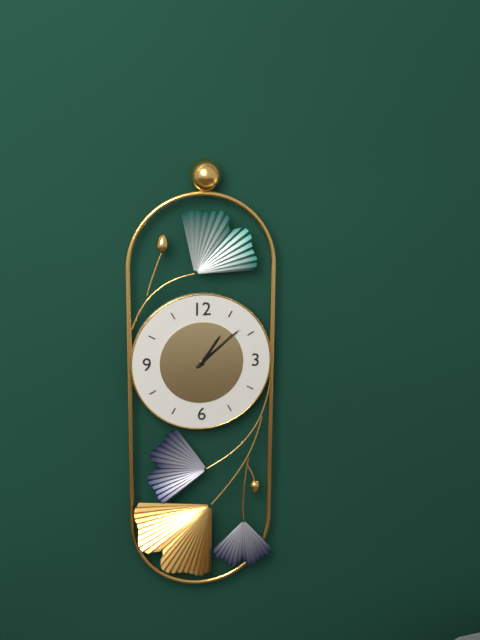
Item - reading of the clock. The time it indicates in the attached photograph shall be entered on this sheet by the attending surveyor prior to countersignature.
1:08
